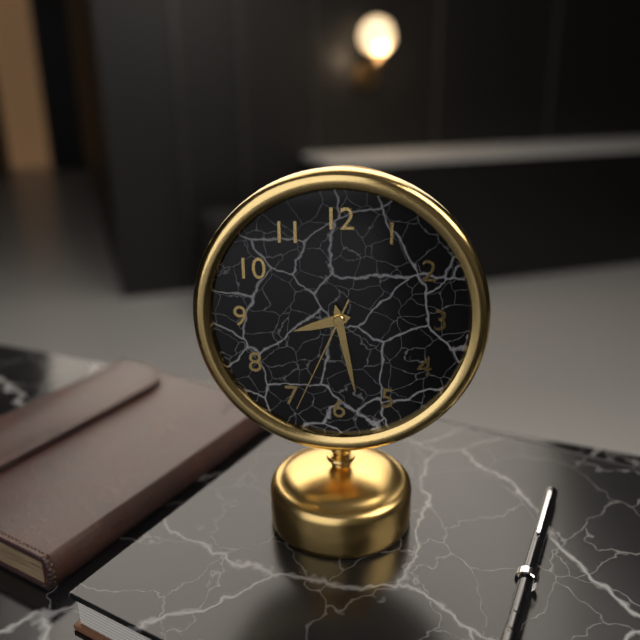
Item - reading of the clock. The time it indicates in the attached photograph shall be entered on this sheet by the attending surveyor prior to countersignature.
8:28:34
